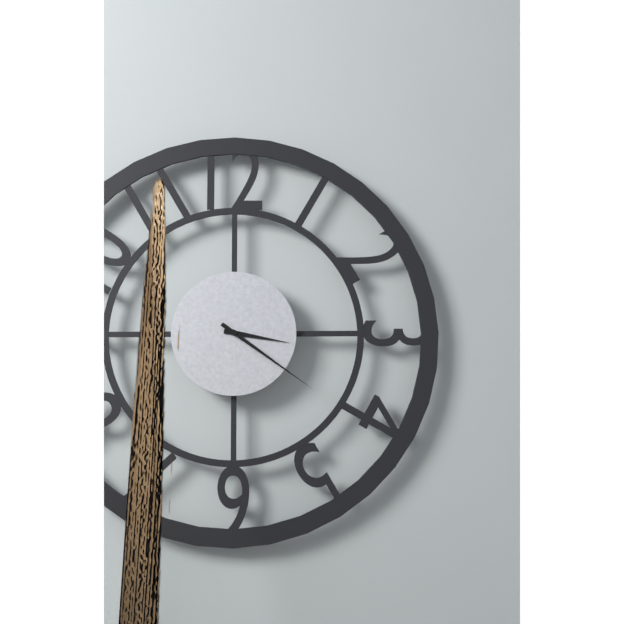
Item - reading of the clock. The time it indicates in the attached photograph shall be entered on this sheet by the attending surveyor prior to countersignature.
3:21
